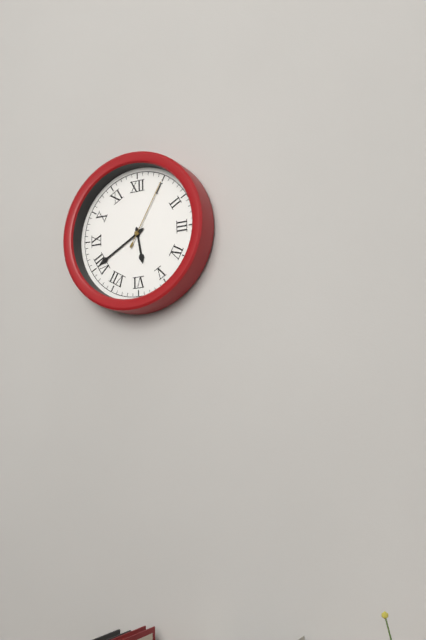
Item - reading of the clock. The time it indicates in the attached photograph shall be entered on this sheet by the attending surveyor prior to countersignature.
5:40:05
